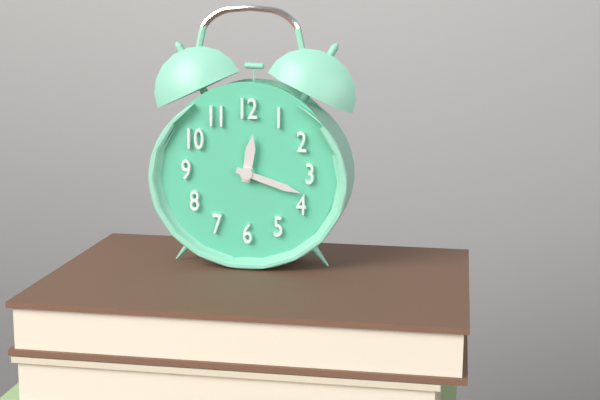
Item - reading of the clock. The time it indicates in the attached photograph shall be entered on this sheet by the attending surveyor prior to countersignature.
12:18
